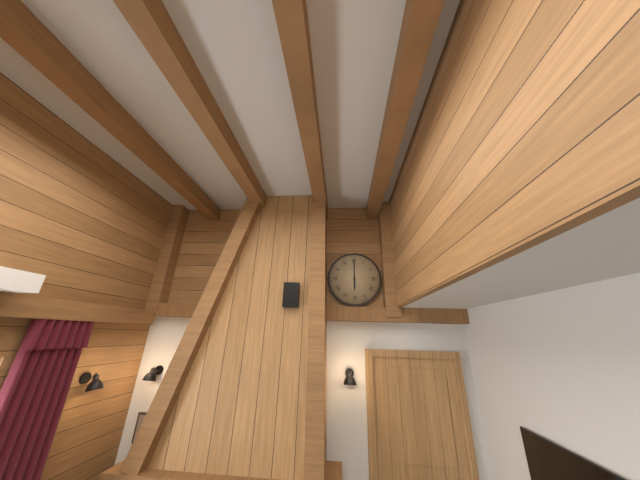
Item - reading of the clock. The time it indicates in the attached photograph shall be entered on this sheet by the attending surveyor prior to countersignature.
6:00
